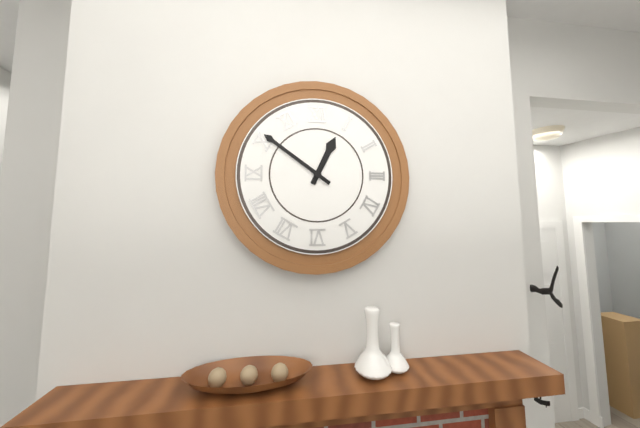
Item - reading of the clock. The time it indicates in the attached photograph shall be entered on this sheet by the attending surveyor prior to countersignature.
12:51
